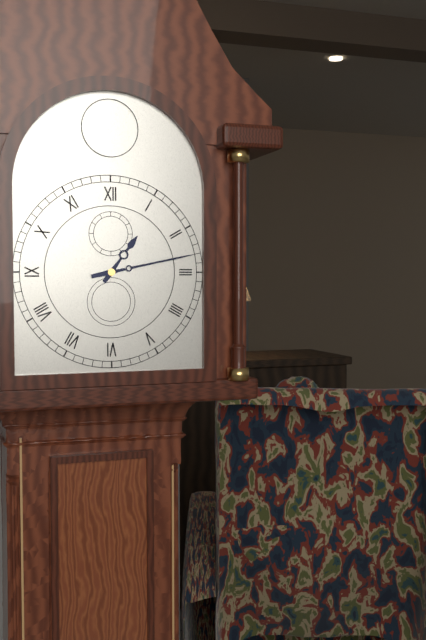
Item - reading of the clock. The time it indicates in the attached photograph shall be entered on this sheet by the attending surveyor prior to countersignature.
1:13
